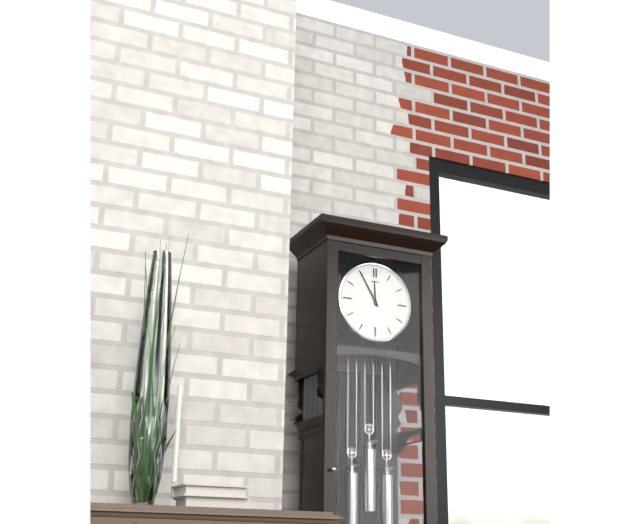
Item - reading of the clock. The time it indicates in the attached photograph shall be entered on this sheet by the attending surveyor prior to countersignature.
11:55
